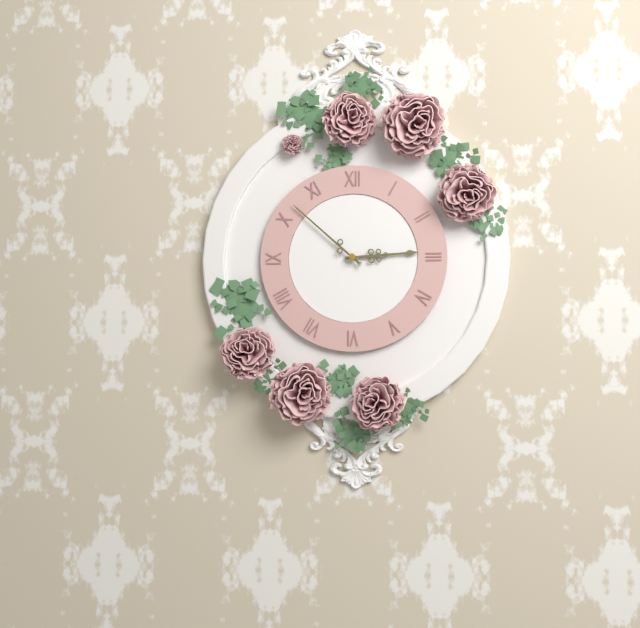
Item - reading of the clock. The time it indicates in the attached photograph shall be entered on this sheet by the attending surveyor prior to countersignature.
2:52
